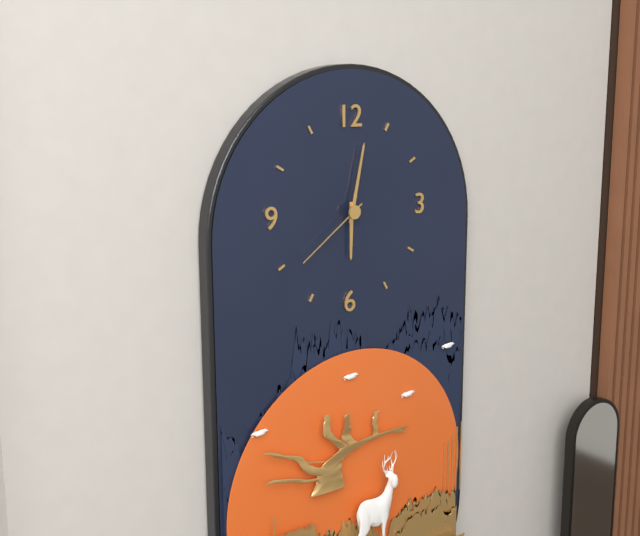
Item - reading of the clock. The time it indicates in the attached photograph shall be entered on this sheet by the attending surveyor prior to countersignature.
6:02:39
